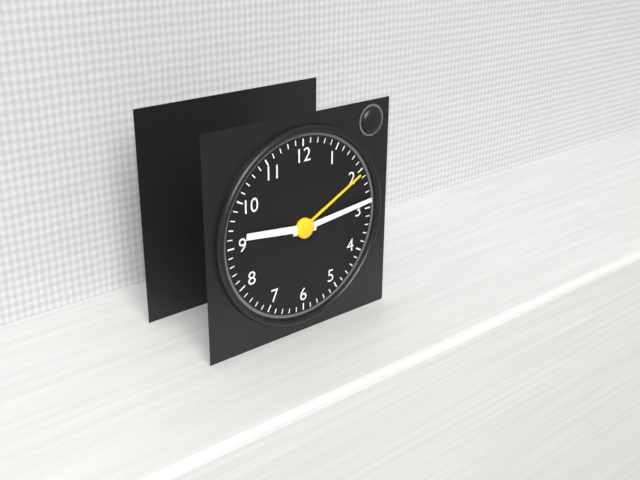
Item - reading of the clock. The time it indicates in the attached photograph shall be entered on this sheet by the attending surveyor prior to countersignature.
9:14
